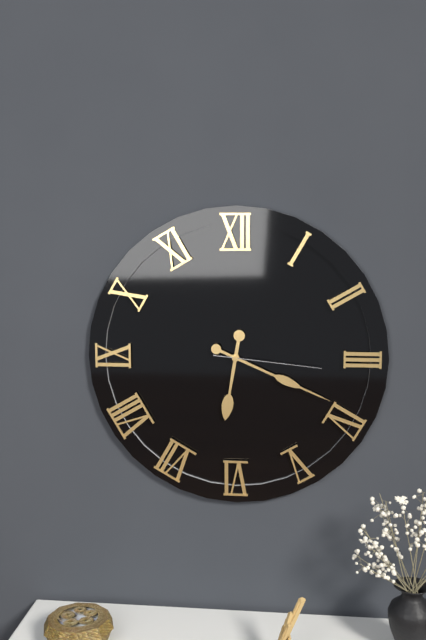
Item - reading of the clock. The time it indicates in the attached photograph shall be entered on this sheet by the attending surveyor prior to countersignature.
6:19:16
